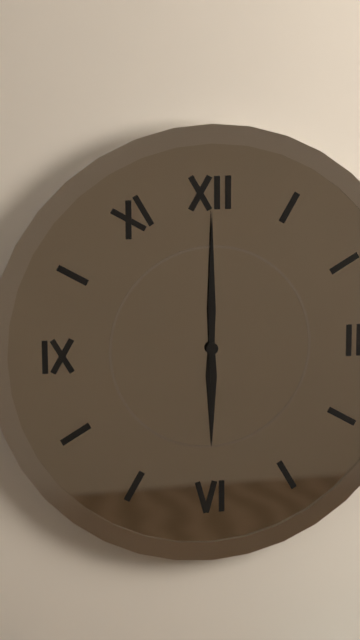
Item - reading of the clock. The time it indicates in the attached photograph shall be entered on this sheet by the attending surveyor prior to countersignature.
6:00
